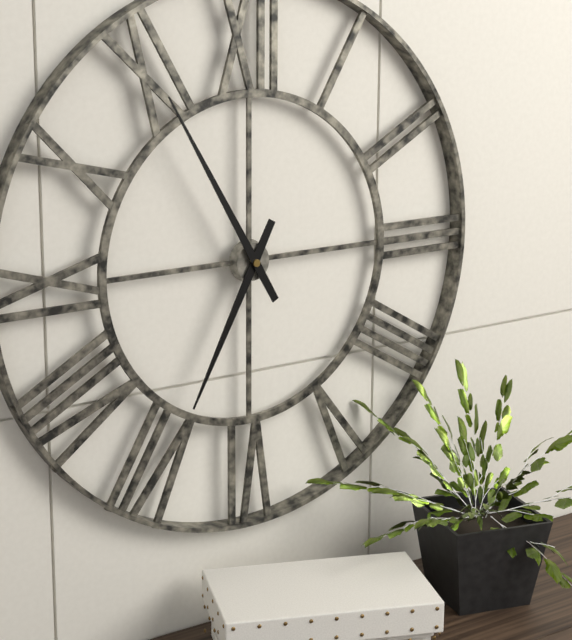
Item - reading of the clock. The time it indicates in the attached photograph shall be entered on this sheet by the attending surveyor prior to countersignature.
6:55
